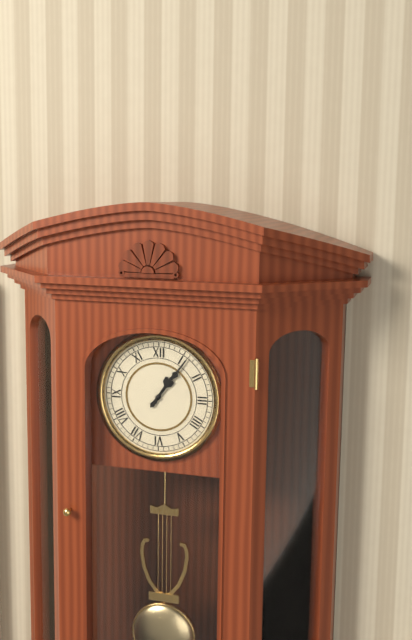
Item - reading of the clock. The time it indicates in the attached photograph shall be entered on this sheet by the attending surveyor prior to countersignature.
1:06
